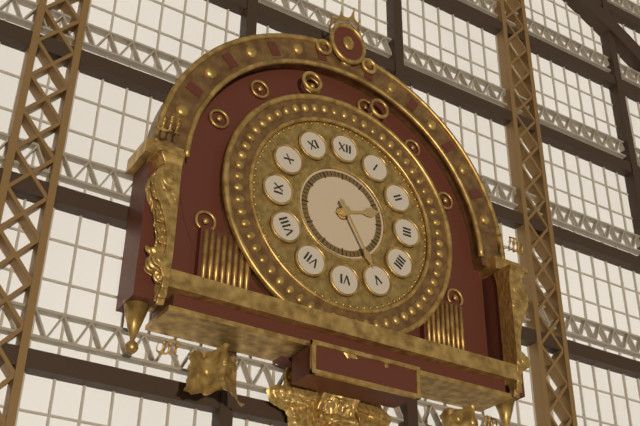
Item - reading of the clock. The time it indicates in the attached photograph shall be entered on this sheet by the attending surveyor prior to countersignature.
2:25
